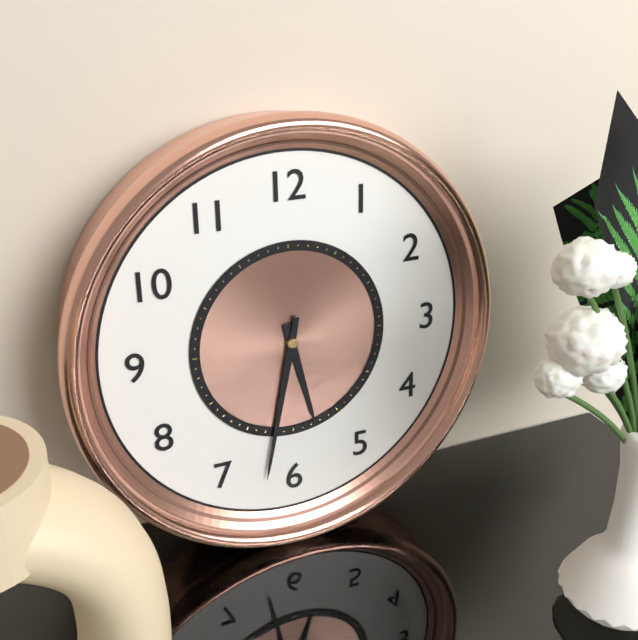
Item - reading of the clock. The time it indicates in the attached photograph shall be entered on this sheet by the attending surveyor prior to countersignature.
5:32
